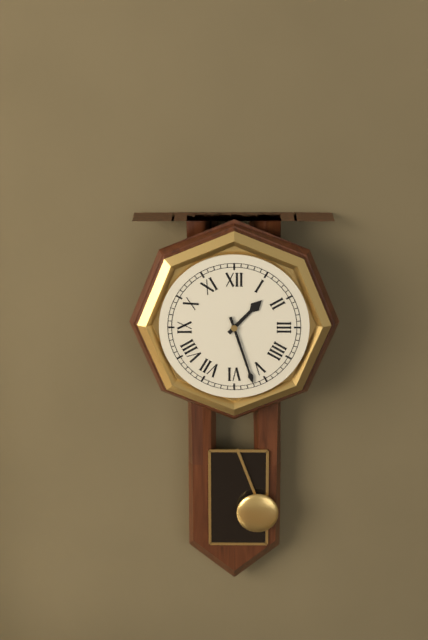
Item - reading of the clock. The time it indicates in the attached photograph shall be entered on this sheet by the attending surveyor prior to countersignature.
1:27
